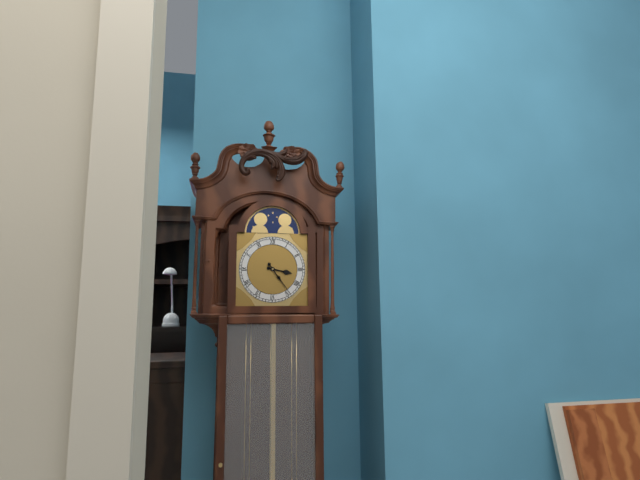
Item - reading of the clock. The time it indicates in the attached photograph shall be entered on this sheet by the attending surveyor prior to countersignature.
3:24
